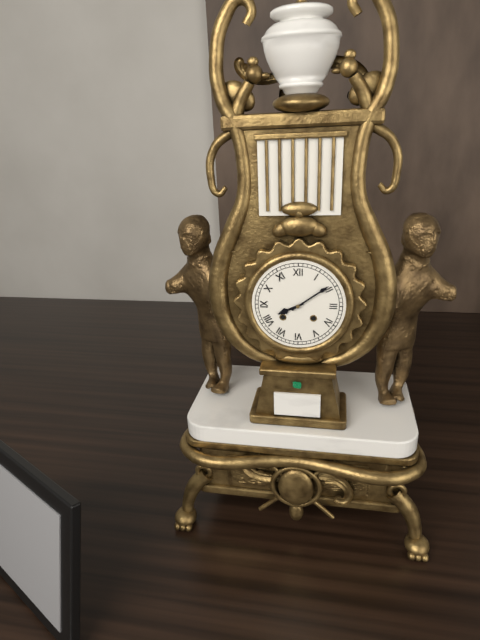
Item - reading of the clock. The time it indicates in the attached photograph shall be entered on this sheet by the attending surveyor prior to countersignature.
8:09
